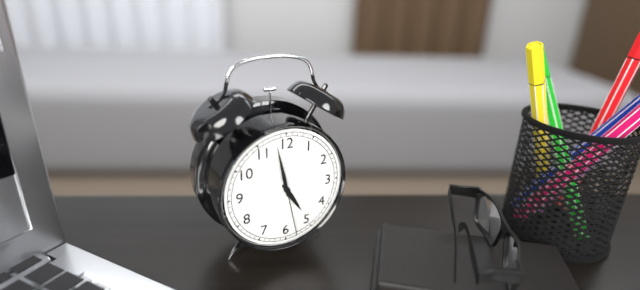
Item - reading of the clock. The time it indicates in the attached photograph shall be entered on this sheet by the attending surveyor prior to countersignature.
4:58:28
